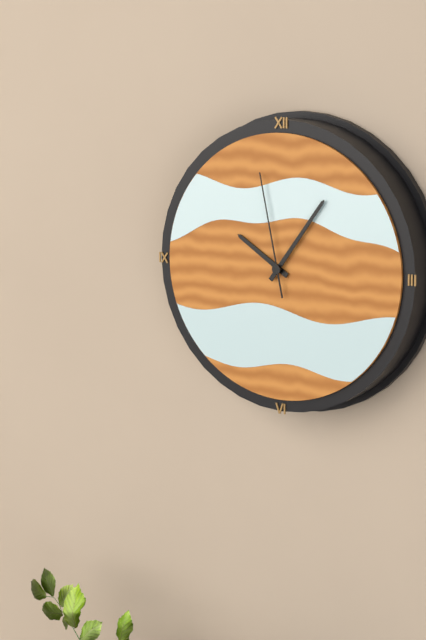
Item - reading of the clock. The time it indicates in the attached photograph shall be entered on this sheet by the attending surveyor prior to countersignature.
10:06:58
